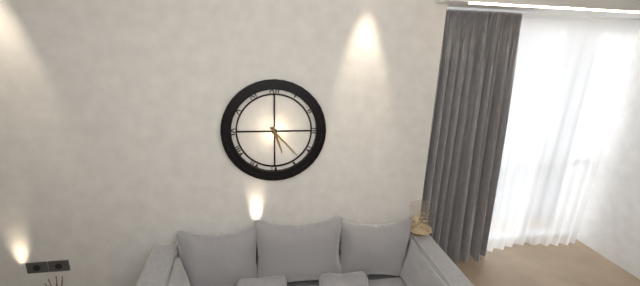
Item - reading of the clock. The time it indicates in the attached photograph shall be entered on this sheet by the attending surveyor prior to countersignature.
5:23
